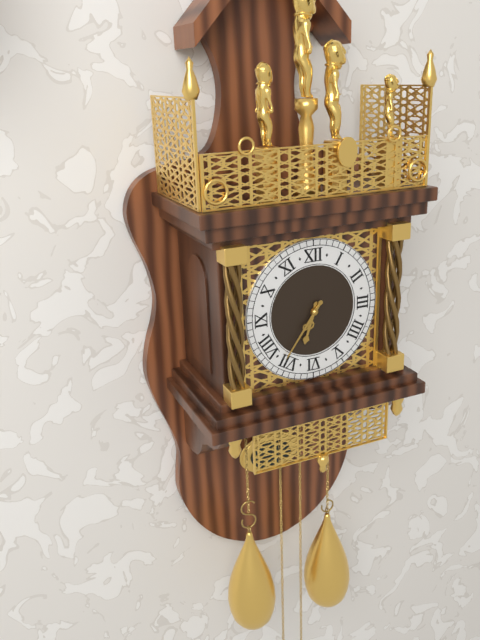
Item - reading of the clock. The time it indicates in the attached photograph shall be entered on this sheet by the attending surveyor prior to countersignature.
6:36
